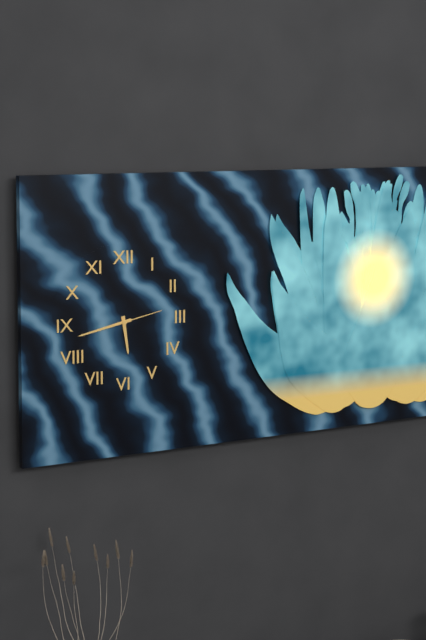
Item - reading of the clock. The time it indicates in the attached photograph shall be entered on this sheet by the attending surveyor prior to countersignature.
5:43:13
